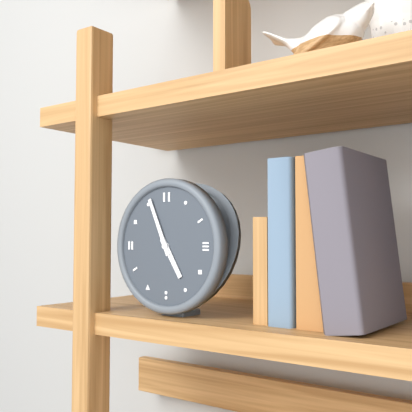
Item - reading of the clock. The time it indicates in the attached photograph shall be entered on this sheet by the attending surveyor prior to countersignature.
4:56
